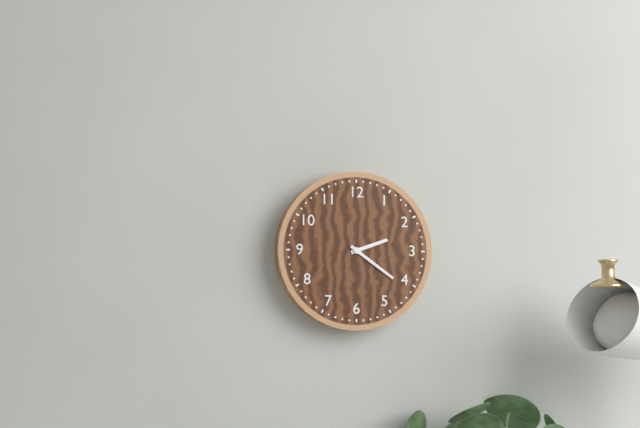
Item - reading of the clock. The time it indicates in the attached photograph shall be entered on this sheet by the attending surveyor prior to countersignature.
2:21
